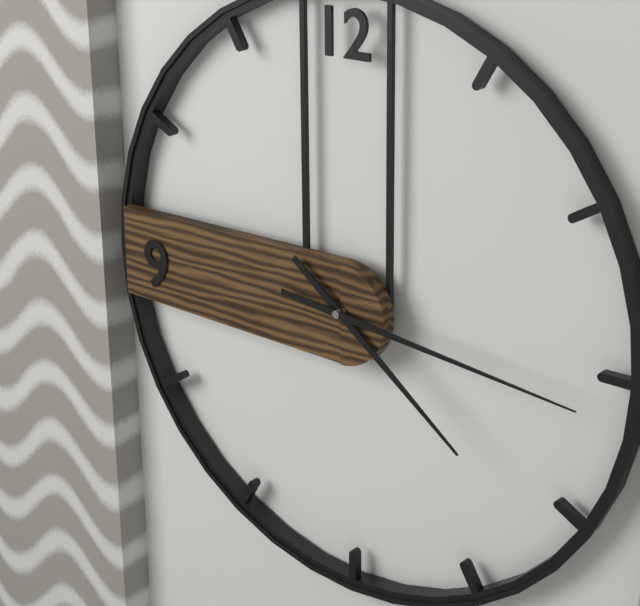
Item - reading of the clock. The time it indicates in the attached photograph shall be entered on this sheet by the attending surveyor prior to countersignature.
4:16
